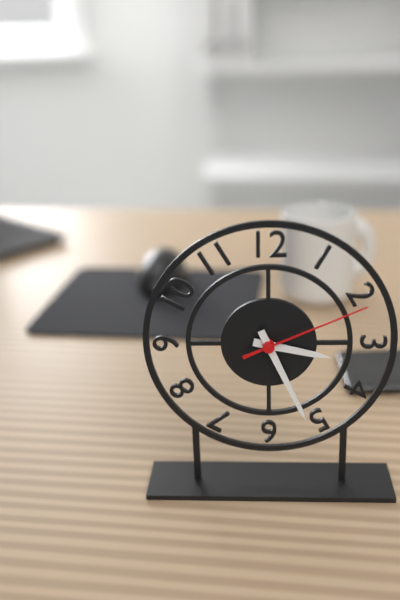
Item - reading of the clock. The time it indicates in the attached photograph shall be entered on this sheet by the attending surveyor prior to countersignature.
3:26:11
